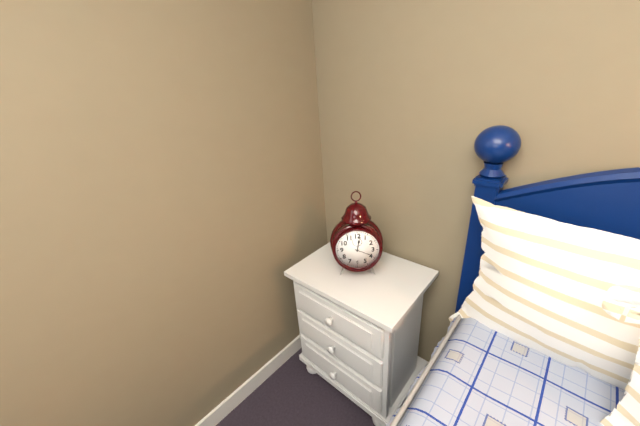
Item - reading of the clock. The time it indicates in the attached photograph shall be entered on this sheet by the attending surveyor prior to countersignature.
12:19
